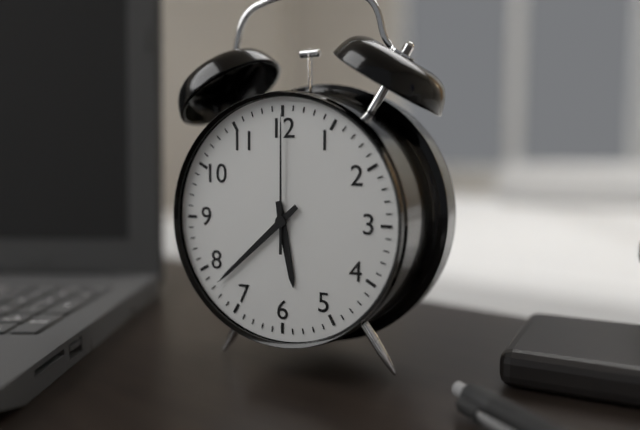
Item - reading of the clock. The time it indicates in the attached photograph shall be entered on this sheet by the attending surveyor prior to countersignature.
5:38:00
